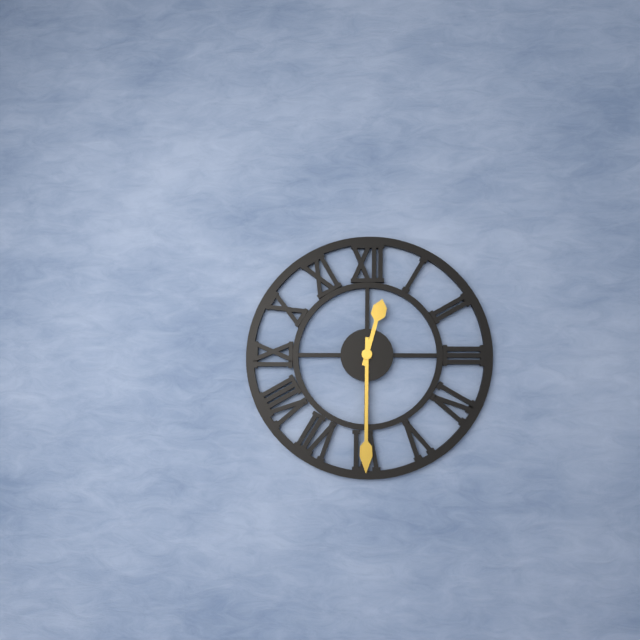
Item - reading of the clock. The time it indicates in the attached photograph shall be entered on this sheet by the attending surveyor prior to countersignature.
12:30
